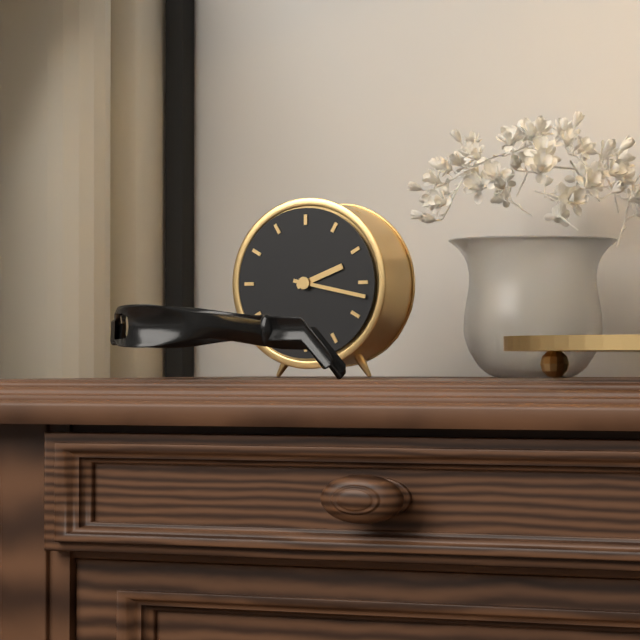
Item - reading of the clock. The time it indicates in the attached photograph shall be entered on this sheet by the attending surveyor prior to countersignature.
2:17
